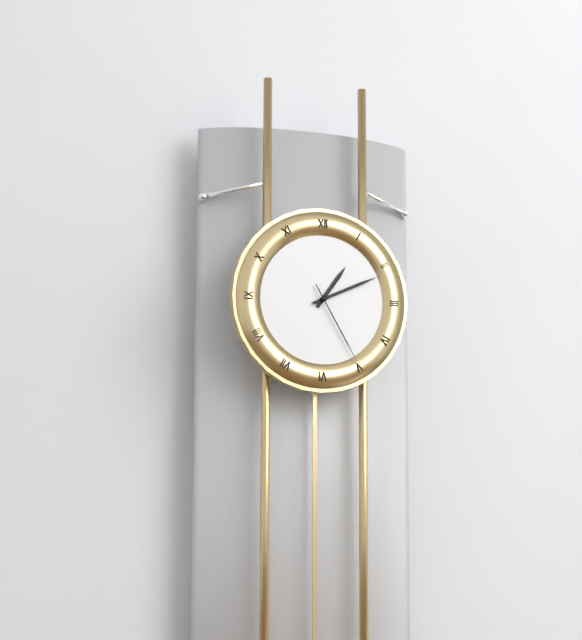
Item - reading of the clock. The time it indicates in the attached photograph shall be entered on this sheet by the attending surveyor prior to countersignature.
1:11:25
